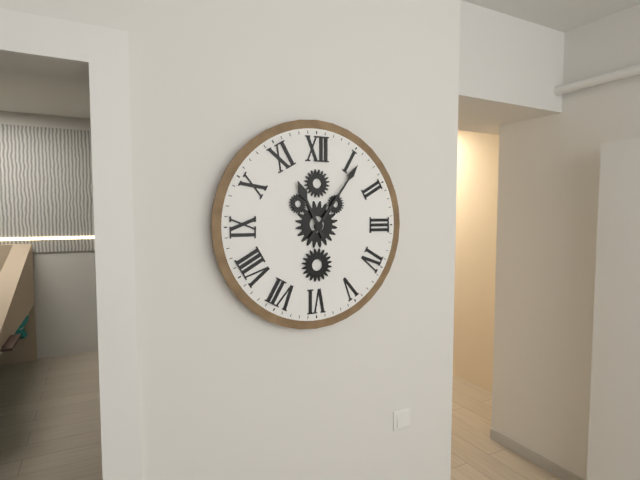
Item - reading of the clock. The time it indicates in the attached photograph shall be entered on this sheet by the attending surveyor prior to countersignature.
11:06
